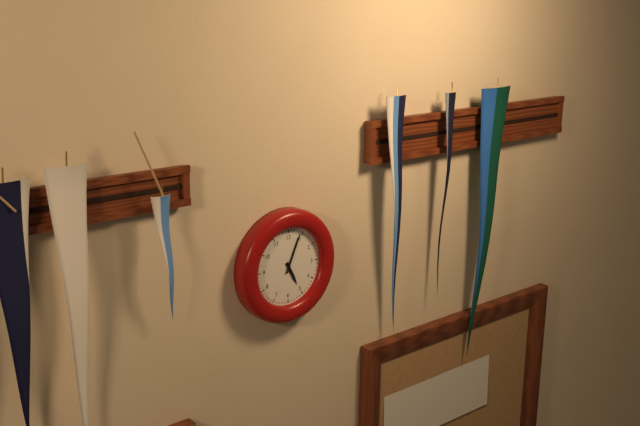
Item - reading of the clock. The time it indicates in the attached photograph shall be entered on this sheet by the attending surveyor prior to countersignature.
5:04
